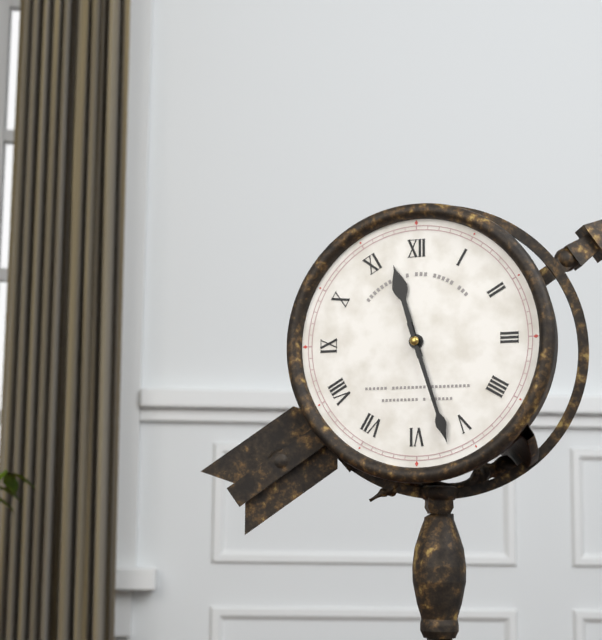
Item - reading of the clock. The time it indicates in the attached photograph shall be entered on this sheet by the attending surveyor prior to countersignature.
11:27
